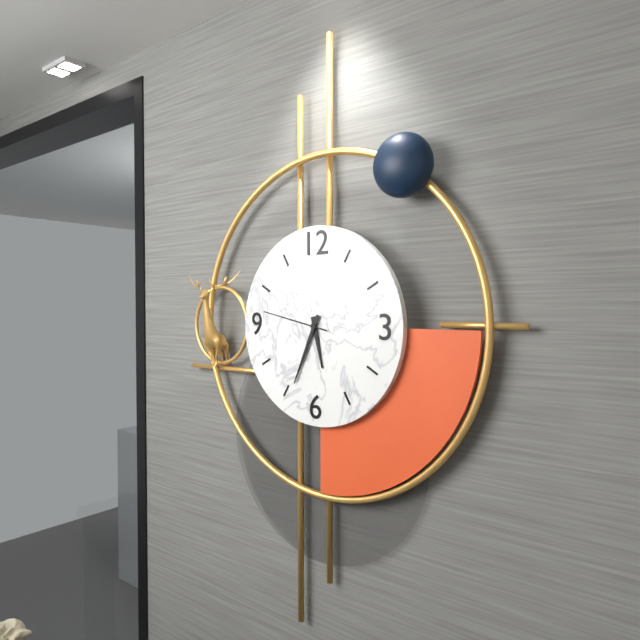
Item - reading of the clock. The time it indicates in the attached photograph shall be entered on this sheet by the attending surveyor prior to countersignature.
5:34:47
